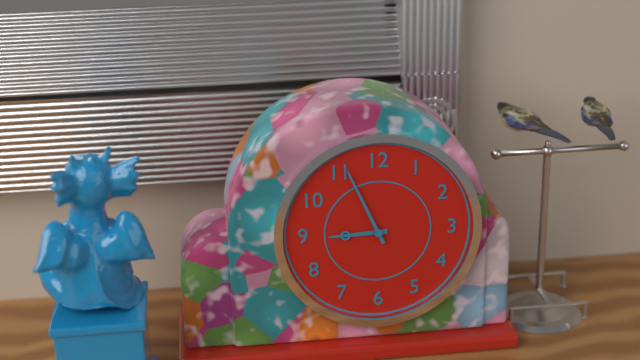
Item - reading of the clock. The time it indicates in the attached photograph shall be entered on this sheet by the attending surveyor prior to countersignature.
8:56
